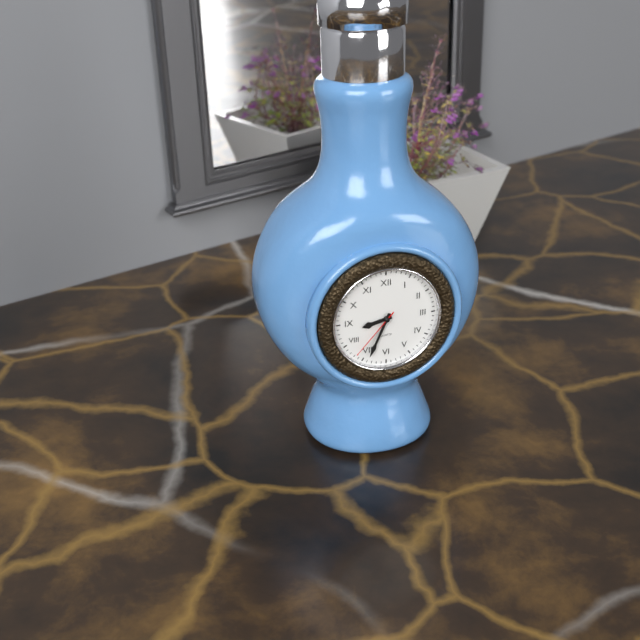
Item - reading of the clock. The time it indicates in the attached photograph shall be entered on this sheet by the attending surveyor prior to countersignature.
8:34:37
